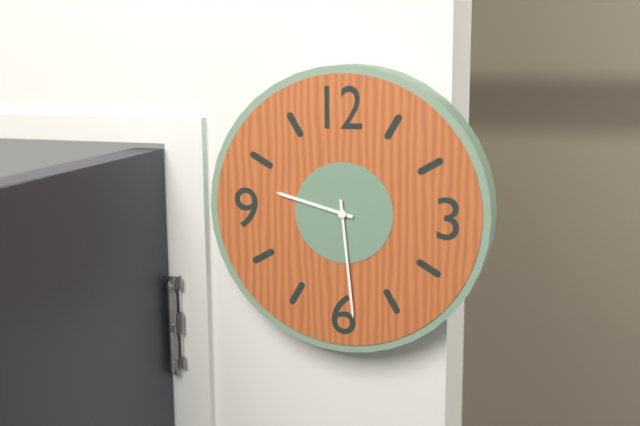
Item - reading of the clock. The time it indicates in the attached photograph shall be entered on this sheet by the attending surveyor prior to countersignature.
9:29
